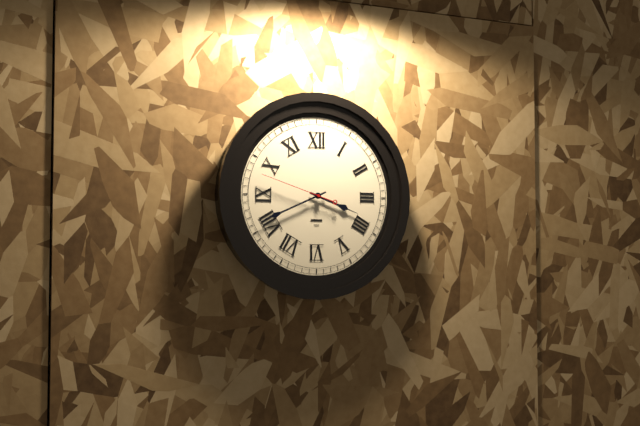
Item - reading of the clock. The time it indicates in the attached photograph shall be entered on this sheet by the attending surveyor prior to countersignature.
3:41:48
